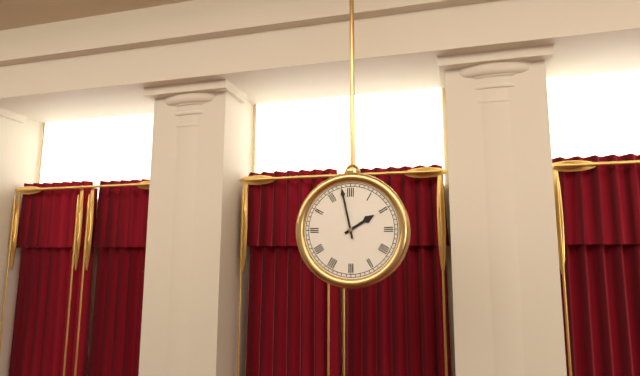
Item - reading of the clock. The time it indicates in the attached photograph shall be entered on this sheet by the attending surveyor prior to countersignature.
1:58
